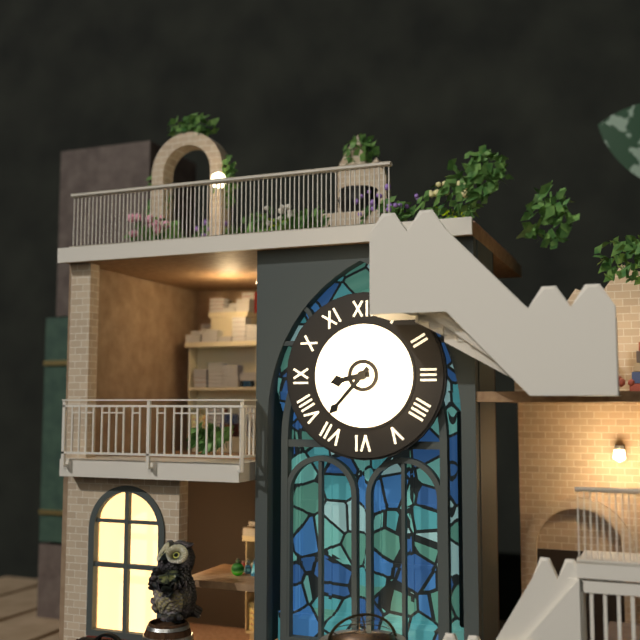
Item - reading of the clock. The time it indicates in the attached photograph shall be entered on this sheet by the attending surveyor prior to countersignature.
8:37
